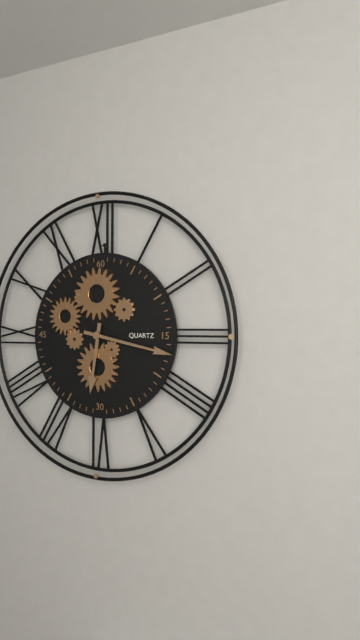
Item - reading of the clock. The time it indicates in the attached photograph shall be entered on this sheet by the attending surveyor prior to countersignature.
6:17
